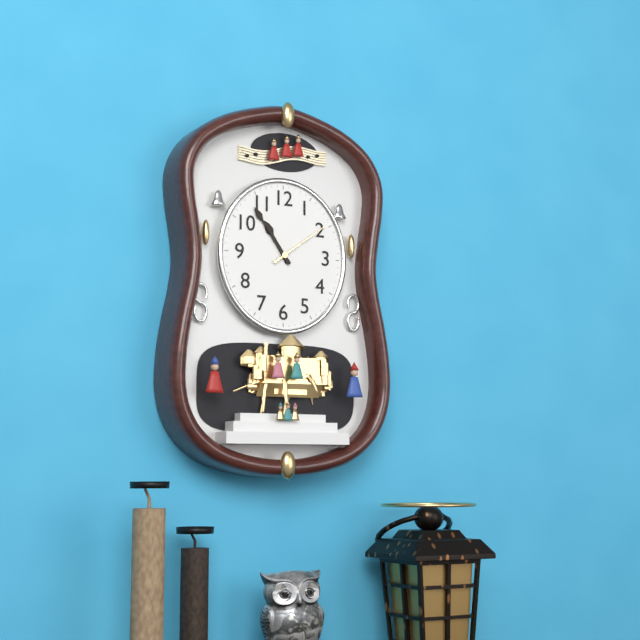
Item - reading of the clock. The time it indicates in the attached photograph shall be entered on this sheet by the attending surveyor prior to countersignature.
10:54:09
